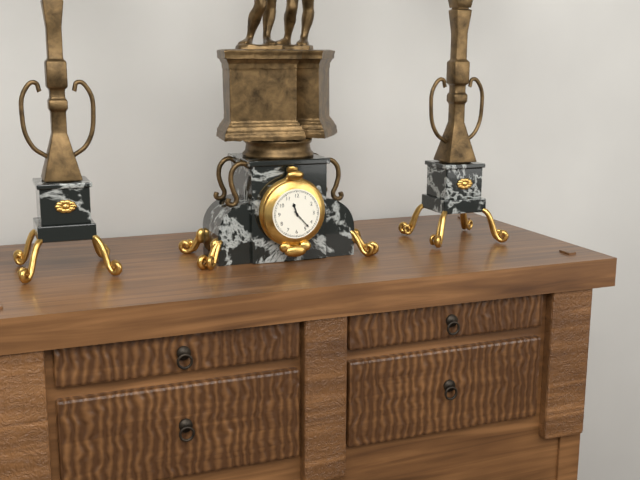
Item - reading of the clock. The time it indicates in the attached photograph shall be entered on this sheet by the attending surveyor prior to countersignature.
11:23
